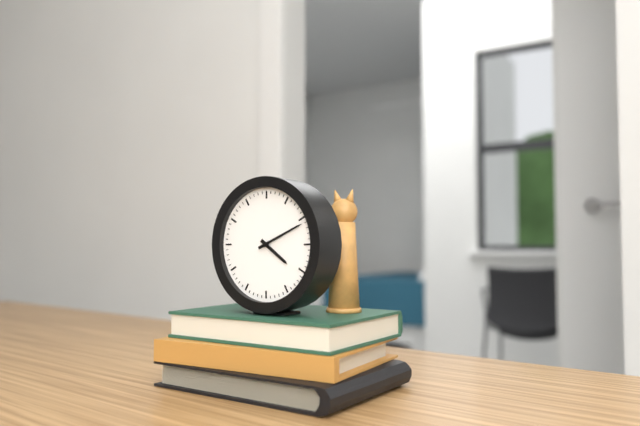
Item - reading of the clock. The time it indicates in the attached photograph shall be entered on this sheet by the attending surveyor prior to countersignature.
4:11
